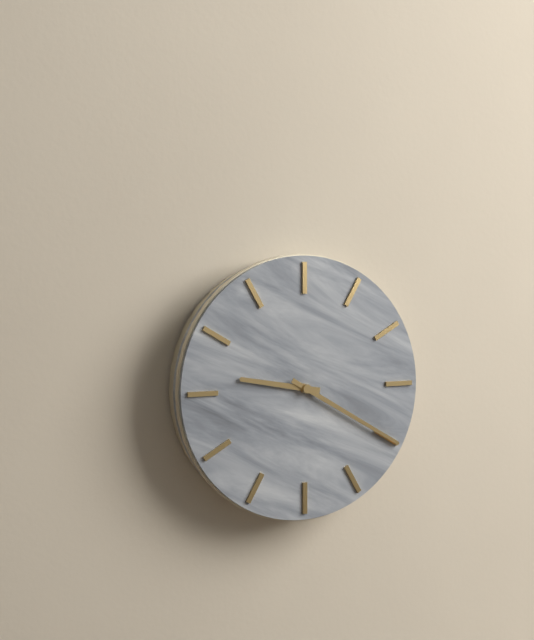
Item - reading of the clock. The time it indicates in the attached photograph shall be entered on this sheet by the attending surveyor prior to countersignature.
9:20
